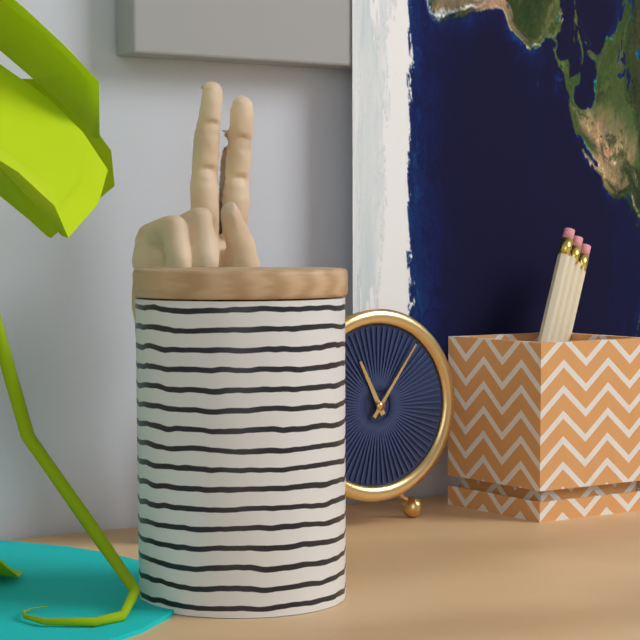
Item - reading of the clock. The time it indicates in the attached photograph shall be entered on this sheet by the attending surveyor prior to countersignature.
11:06
